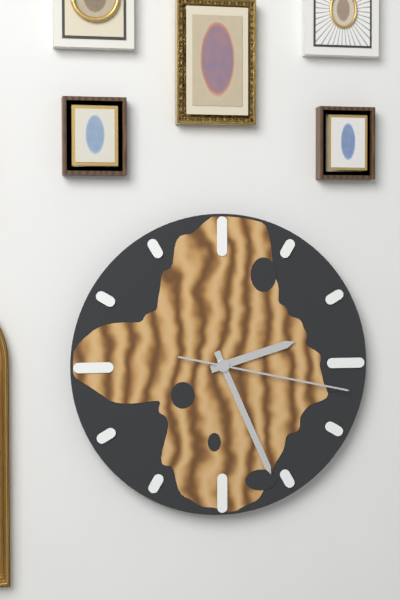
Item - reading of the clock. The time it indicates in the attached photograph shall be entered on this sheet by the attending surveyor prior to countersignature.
2:26:17
